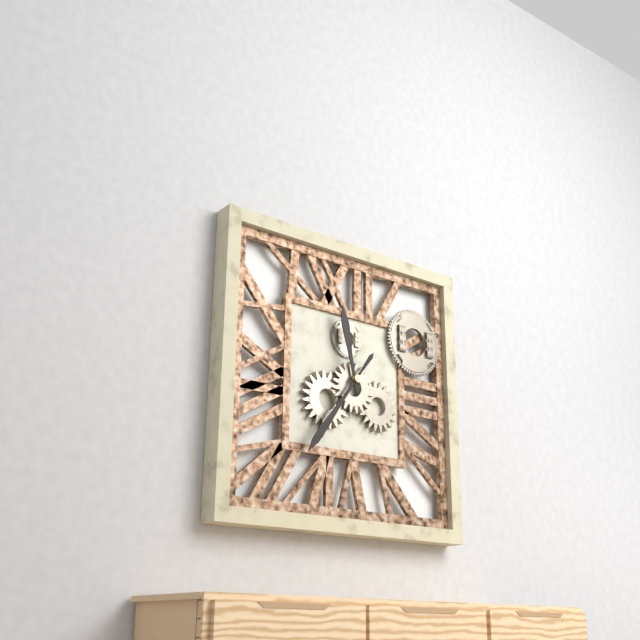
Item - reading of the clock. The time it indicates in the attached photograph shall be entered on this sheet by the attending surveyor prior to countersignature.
11:36
